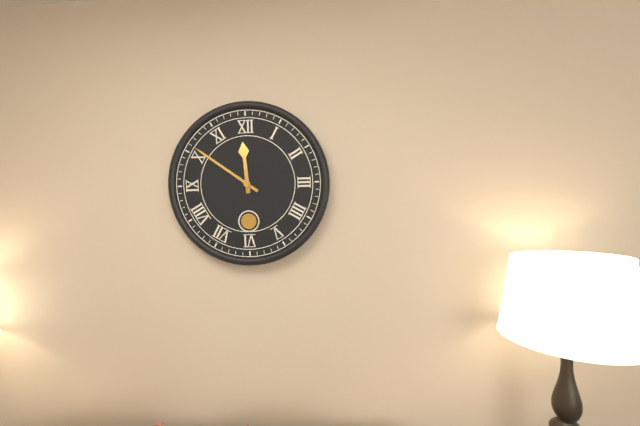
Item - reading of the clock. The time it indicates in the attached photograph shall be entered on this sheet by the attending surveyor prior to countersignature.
11:51
